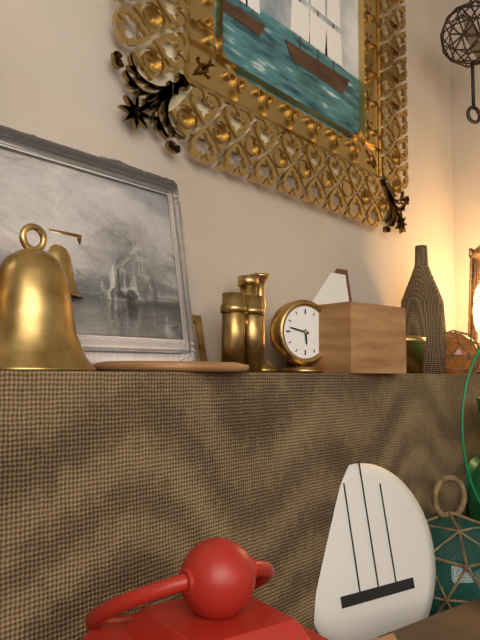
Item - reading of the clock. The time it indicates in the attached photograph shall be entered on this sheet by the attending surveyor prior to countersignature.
5:47
